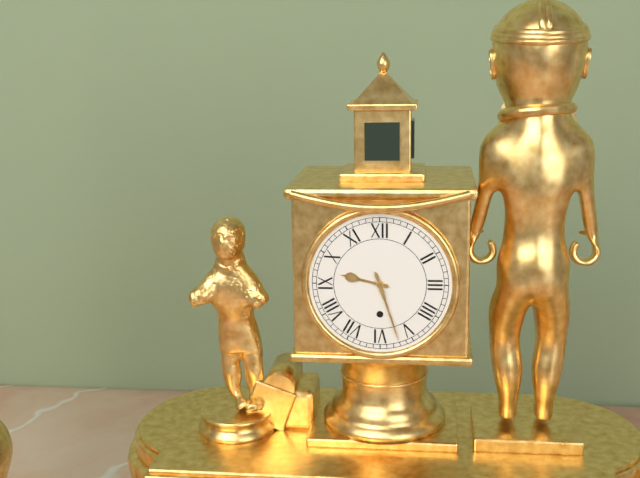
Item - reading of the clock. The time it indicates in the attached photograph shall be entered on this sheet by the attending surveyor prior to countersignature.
9:27
